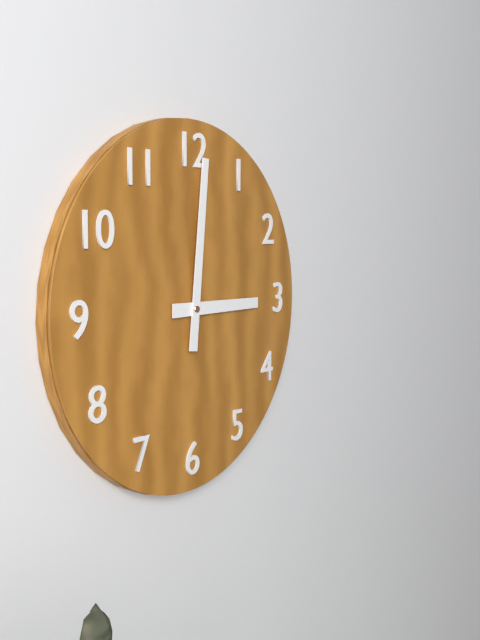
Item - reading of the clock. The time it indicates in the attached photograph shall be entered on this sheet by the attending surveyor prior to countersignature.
3:01
